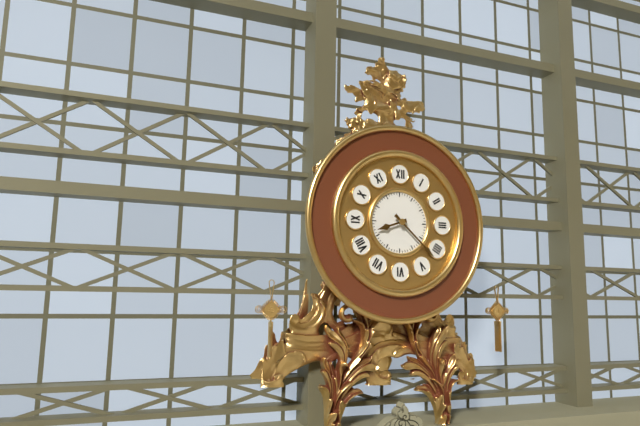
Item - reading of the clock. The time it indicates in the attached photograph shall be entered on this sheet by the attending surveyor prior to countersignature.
8:22
